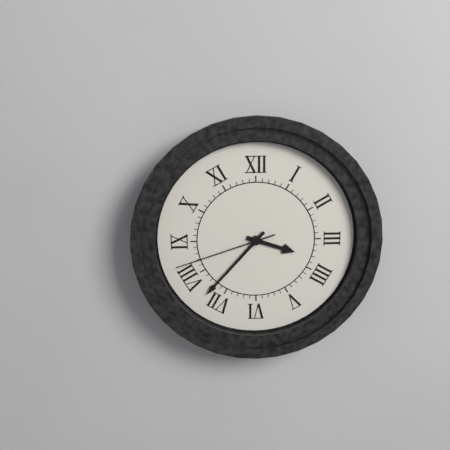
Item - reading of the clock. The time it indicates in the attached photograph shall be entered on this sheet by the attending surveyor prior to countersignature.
3:37:42
